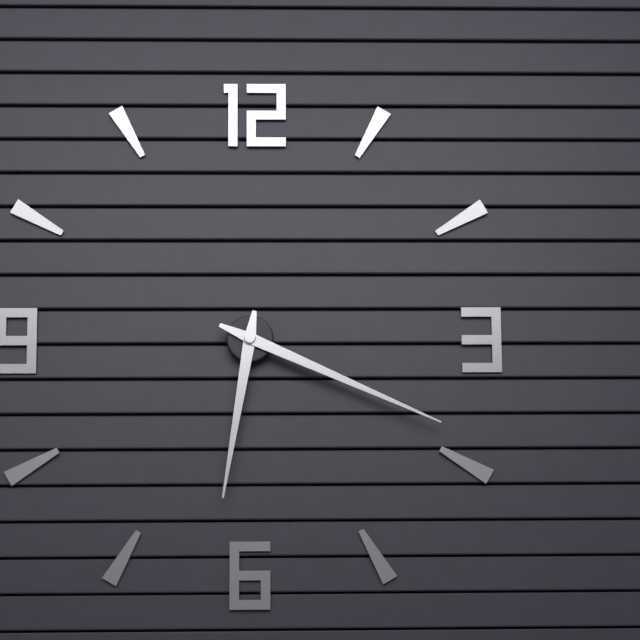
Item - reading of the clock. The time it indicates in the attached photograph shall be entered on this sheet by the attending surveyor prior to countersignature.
6:19
